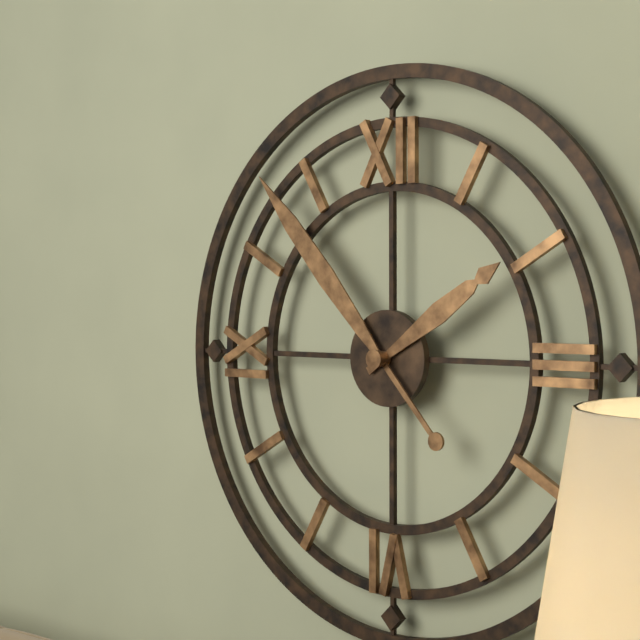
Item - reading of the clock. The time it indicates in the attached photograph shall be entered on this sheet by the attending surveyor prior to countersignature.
1:53
